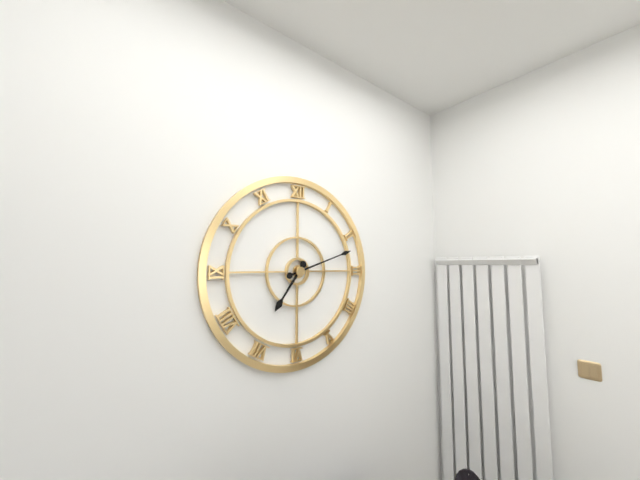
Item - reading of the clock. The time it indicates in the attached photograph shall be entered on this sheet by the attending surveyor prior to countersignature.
7:12
